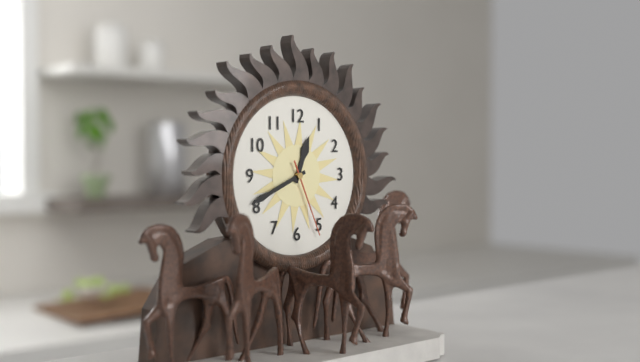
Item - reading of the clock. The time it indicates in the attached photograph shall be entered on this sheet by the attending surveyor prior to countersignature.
12:41:26
